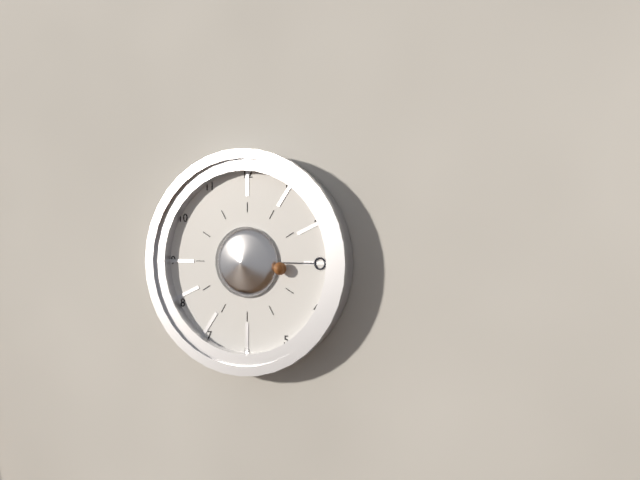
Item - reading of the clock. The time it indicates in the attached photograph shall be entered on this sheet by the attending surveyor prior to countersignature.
3:15
